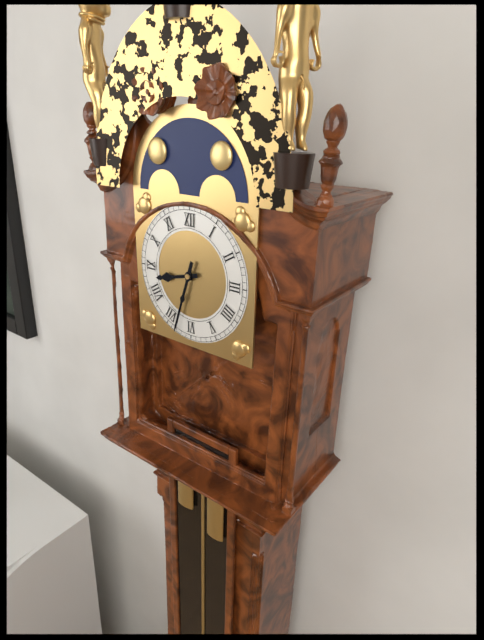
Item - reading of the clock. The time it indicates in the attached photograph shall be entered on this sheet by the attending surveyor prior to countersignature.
8:33
